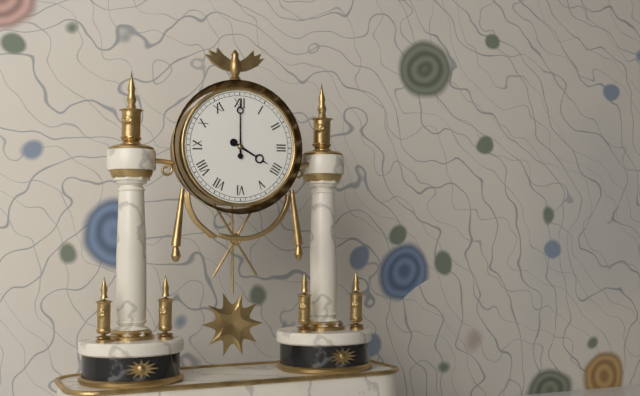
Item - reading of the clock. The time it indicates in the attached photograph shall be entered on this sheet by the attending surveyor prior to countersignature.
4:00
